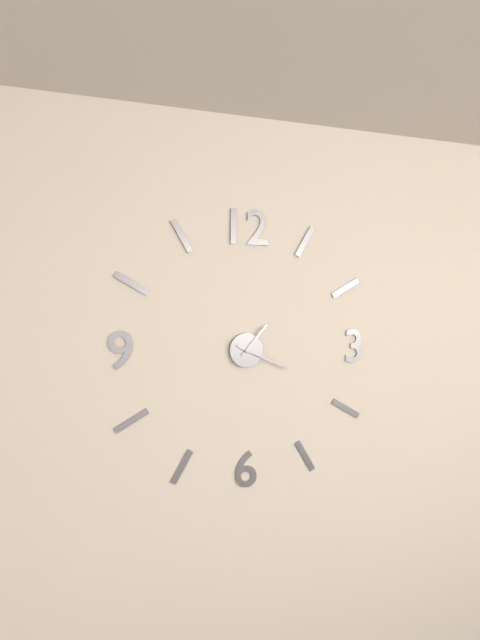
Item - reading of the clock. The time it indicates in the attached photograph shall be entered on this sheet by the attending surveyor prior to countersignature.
1:19
